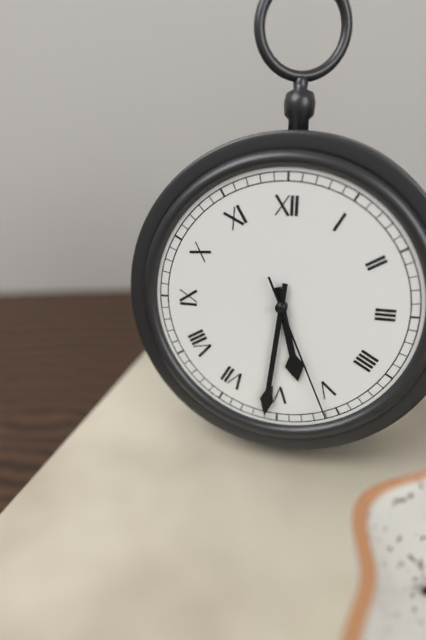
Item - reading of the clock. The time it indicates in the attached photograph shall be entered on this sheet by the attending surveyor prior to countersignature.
5:31:26
